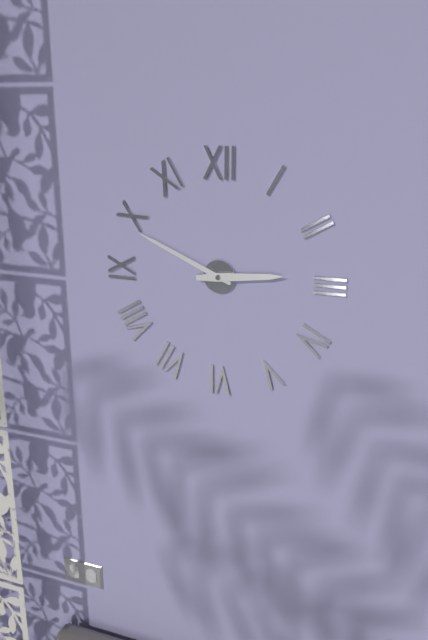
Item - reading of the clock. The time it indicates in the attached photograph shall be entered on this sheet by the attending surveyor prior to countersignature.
2:49
